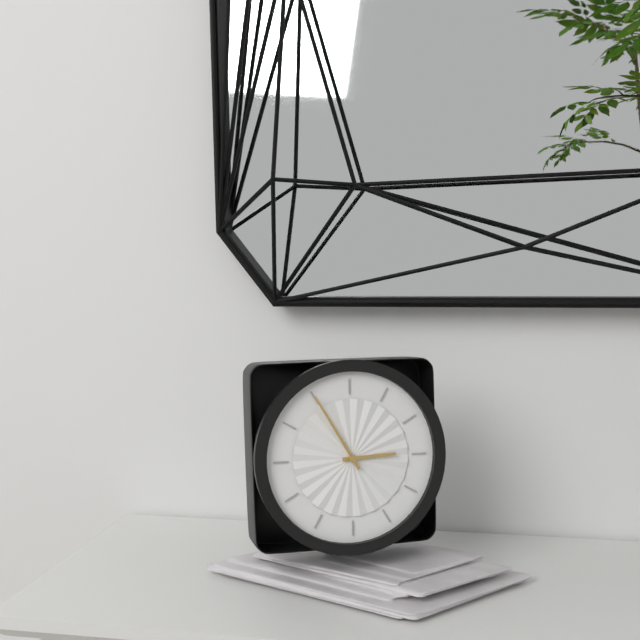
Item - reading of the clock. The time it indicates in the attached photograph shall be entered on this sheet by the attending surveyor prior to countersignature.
2:55
